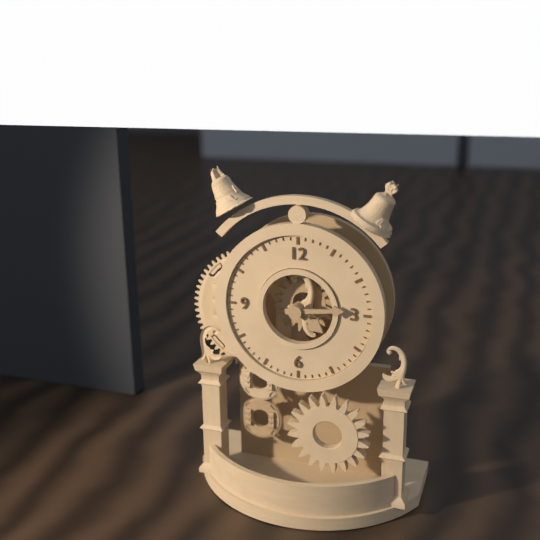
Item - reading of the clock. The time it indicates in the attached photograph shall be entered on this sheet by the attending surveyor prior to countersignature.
4:14
